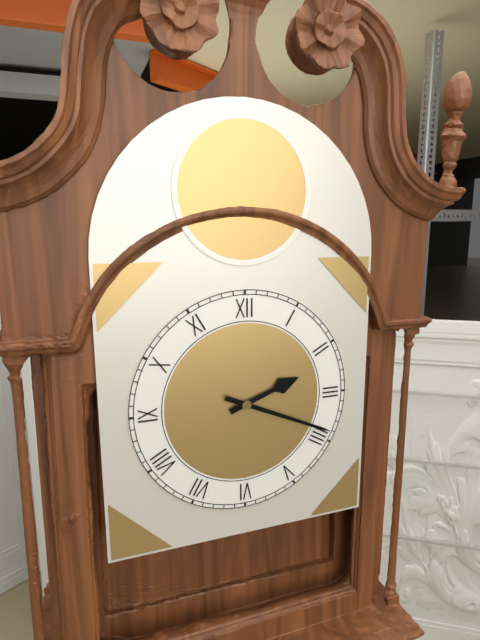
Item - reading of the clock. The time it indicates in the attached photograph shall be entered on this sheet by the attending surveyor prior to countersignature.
2:19
